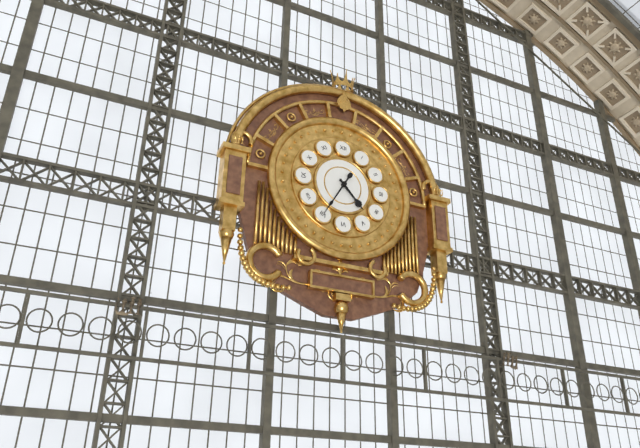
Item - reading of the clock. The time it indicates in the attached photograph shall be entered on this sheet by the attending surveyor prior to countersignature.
4:35
